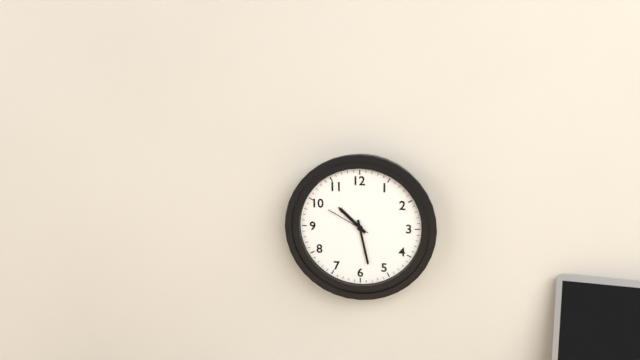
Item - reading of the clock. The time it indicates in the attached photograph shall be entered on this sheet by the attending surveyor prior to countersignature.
10:28
